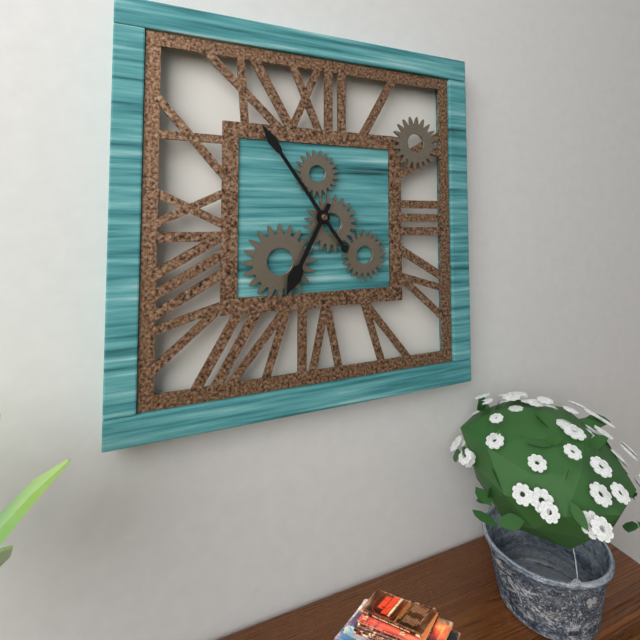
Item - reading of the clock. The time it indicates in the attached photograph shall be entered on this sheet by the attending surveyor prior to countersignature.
6:54
